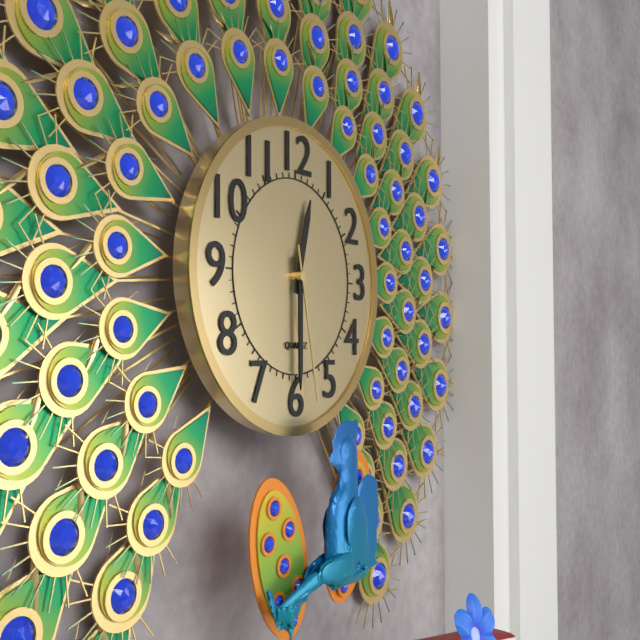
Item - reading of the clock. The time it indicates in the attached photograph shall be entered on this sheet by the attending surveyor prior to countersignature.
12:30:28
